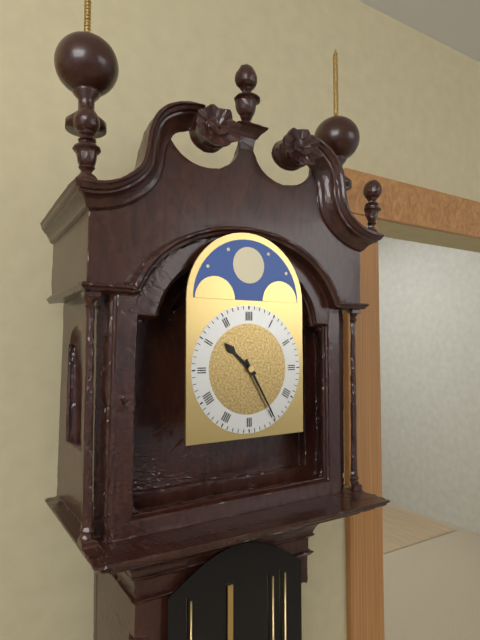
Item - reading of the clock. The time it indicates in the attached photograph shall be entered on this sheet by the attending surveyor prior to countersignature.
10:25
